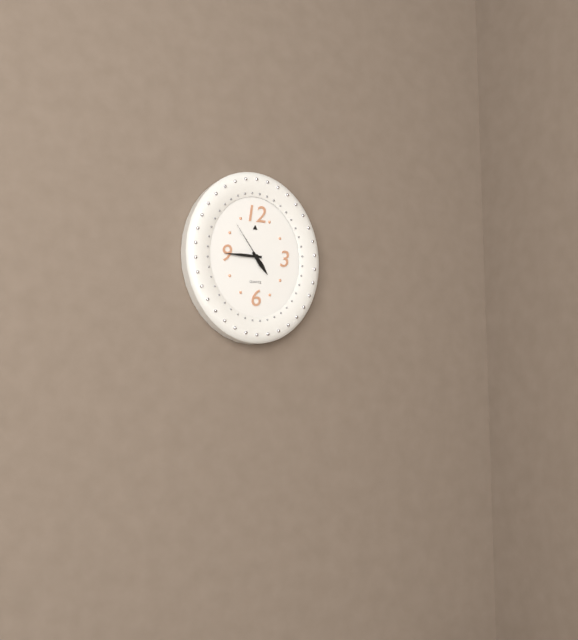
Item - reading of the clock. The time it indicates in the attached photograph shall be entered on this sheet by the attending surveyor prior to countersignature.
4:45
